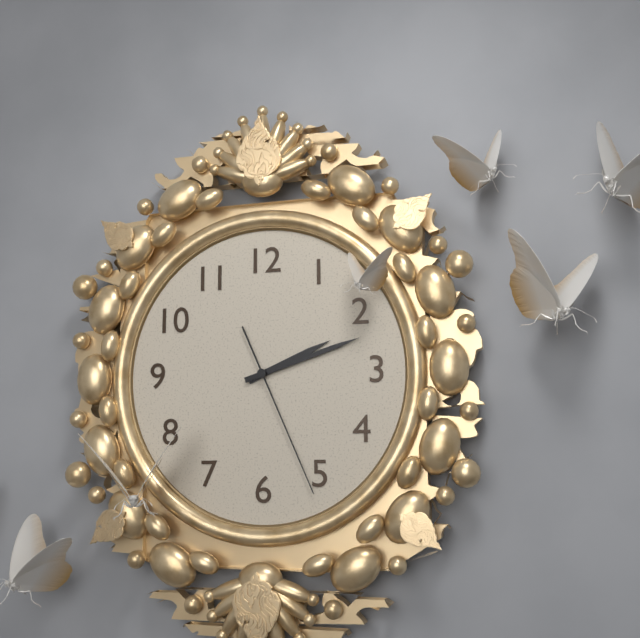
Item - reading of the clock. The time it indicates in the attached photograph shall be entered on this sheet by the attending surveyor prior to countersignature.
2:12:26
